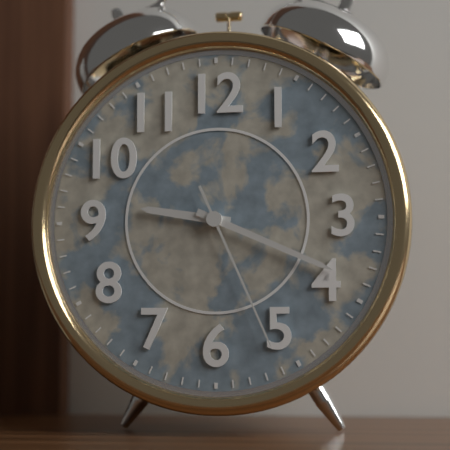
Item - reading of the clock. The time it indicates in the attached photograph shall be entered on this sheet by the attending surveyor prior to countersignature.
9:19:26
